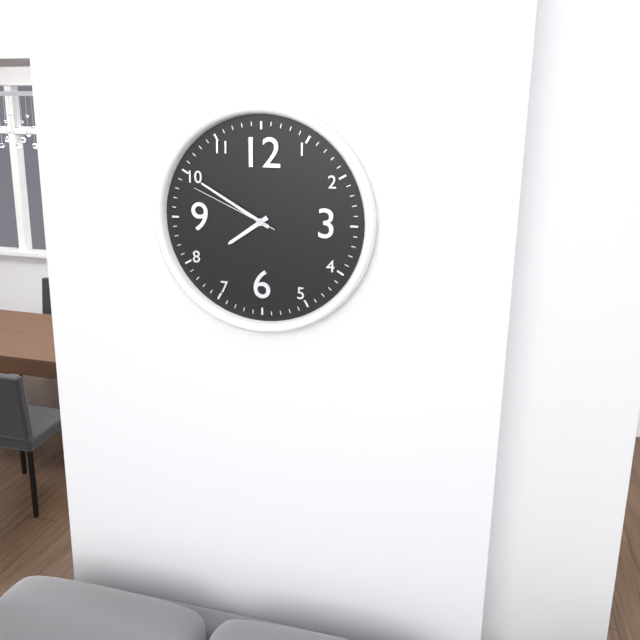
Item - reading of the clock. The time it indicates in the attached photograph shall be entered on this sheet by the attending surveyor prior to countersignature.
7:50:49
